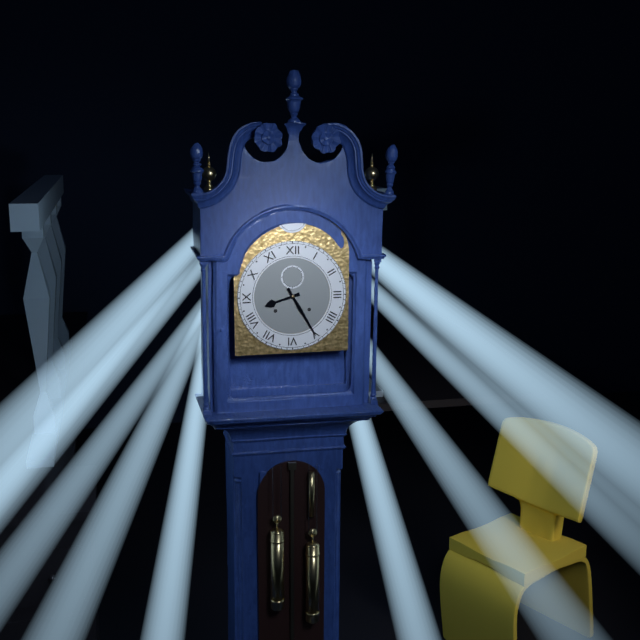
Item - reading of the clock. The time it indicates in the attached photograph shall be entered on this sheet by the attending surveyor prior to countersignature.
8:25
